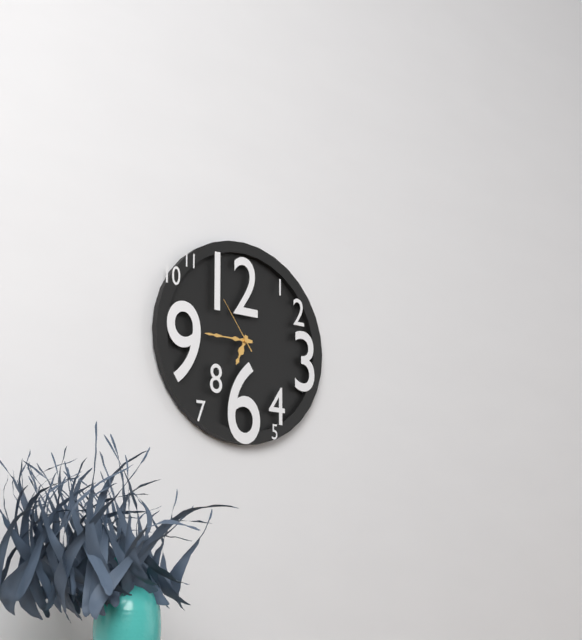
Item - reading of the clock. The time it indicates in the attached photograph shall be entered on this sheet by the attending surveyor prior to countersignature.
6:45:54
